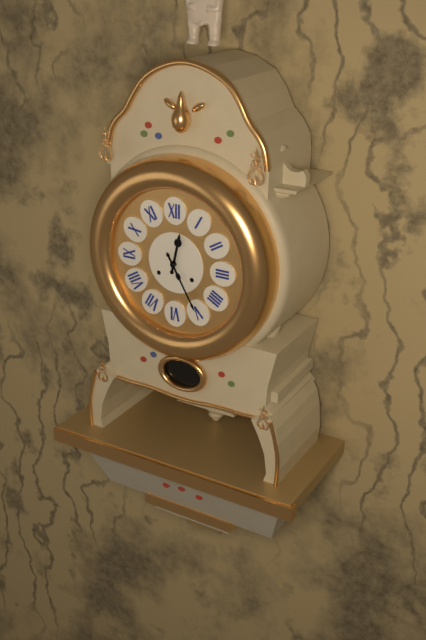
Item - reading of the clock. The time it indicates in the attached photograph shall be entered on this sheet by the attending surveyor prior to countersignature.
12:25
